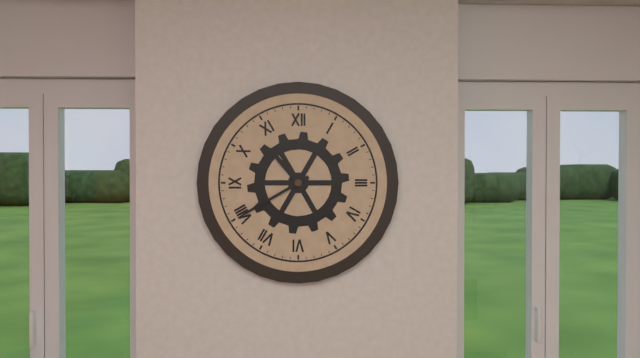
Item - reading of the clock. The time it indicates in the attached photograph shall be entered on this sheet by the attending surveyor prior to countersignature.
10:40
